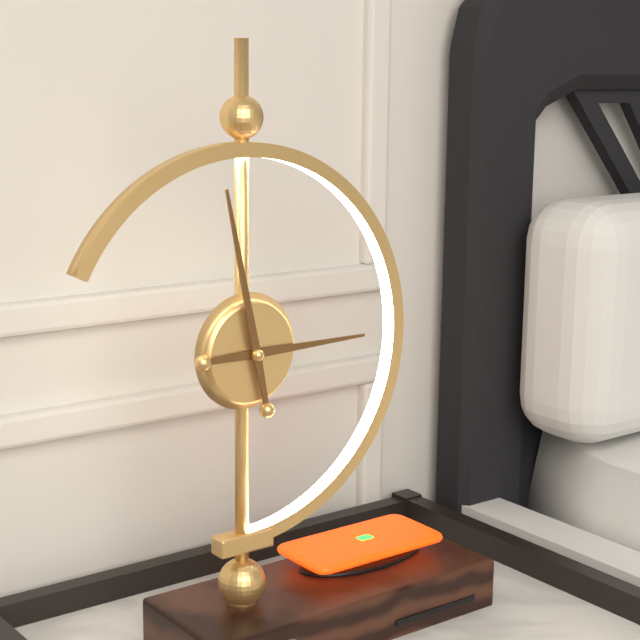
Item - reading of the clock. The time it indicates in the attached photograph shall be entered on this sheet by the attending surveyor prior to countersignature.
2:58
